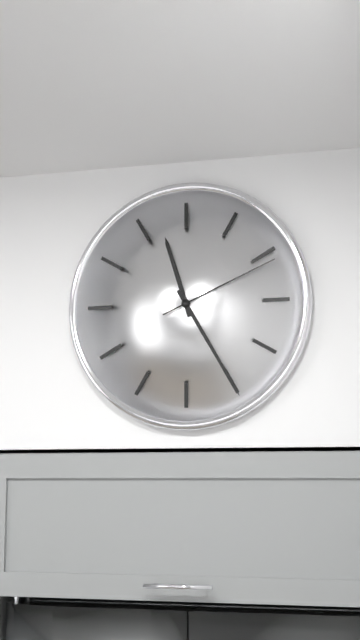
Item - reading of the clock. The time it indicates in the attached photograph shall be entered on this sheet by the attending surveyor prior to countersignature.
11:25:11
